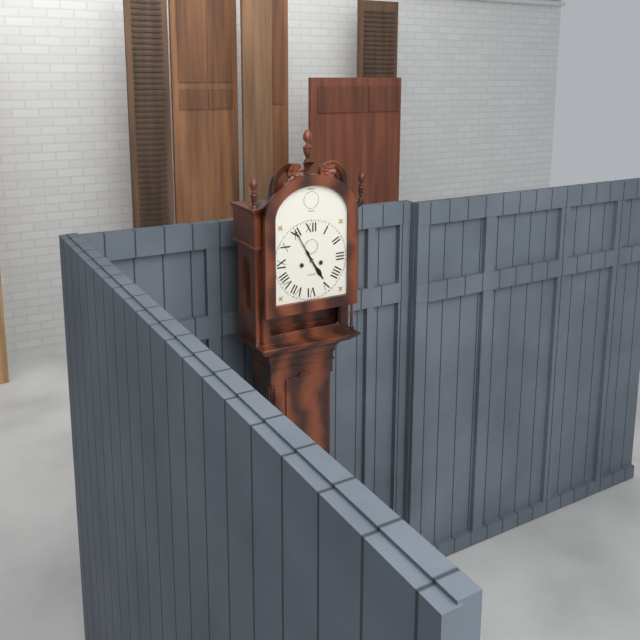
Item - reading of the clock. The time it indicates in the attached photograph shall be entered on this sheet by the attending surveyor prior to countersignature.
4:55
